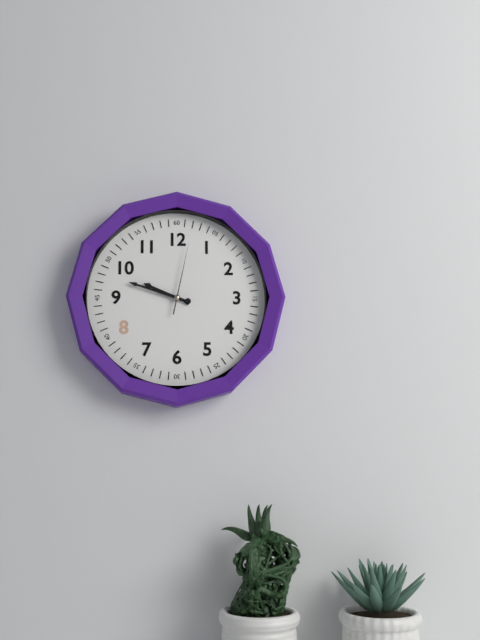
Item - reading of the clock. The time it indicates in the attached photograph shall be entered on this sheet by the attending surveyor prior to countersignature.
9:48:02
